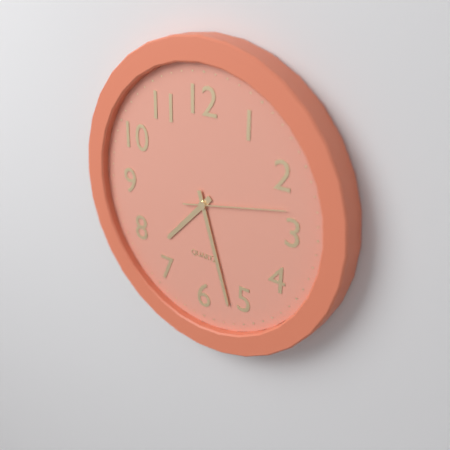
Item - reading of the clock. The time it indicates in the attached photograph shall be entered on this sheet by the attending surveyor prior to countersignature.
7:27:13
